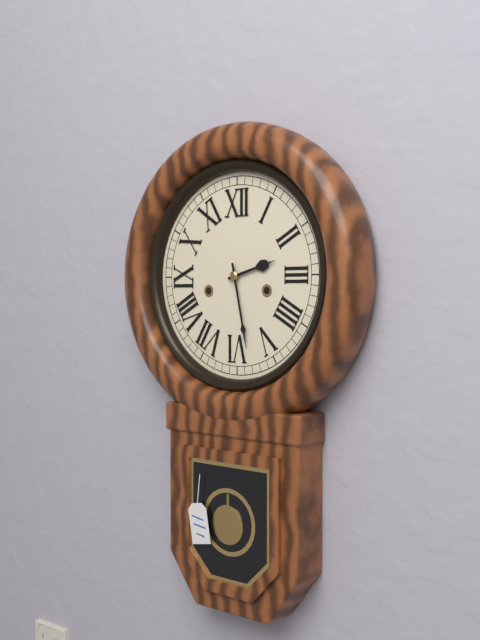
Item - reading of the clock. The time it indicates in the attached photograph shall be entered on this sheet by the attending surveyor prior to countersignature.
2:28
